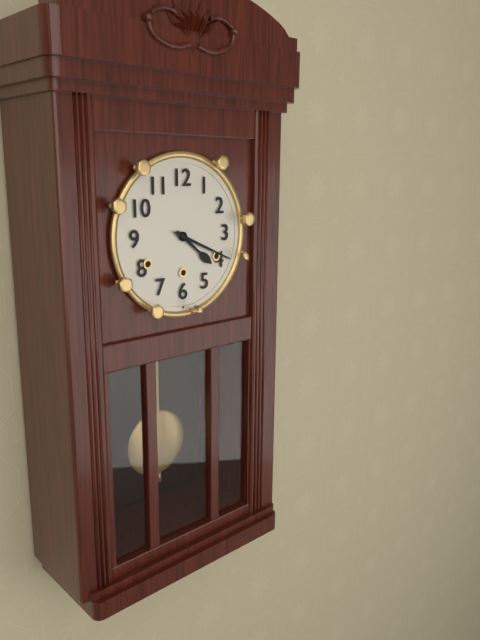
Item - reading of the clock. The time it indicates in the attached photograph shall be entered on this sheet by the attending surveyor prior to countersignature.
4:19
